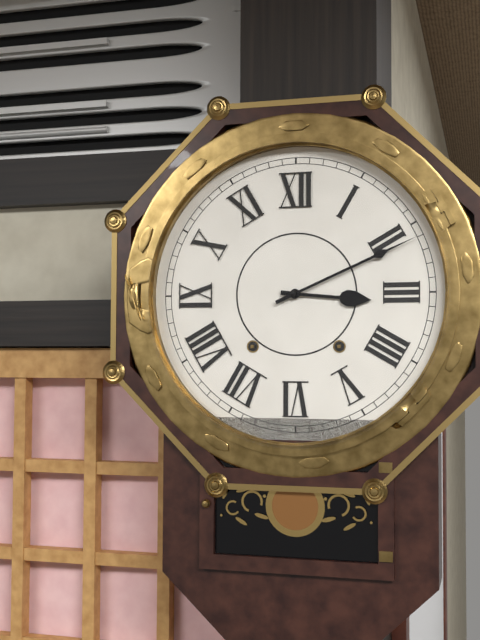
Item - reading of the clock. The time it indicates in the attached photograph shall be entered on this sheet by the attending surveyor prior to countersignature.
3:11
